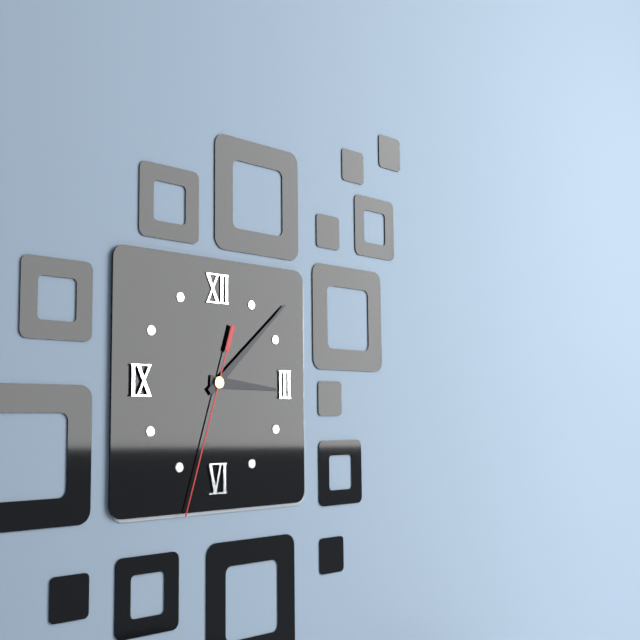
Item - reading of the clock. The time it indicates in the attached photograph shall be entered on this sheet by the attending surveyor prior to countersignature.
3:08:33
